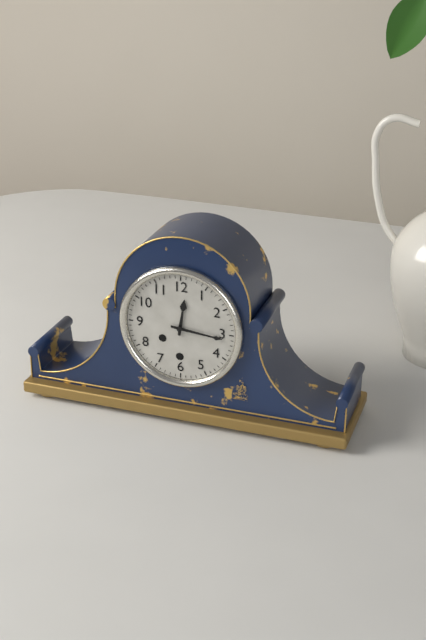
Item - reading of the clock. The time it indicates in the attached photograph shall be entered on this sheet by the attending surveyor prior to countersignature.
12:16
